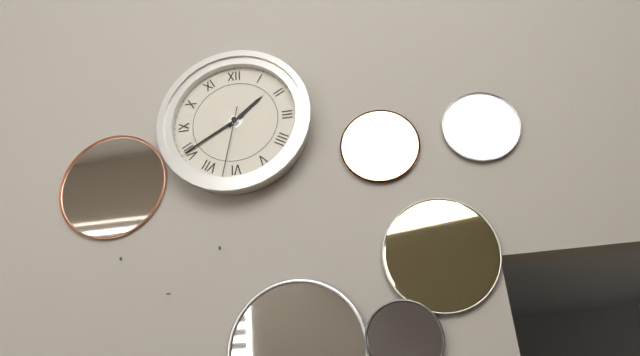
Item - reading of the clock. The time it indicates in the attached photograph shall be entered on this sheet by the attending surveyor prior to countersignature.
1:40:32
